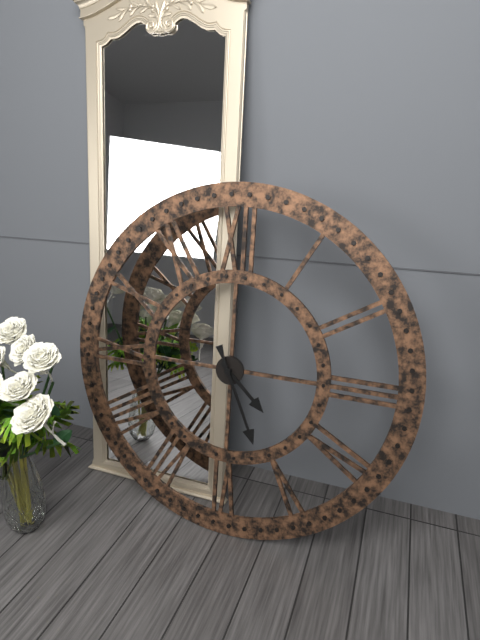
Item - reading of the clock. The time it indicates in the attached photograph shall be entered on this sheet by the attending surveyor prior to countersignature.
4:26
